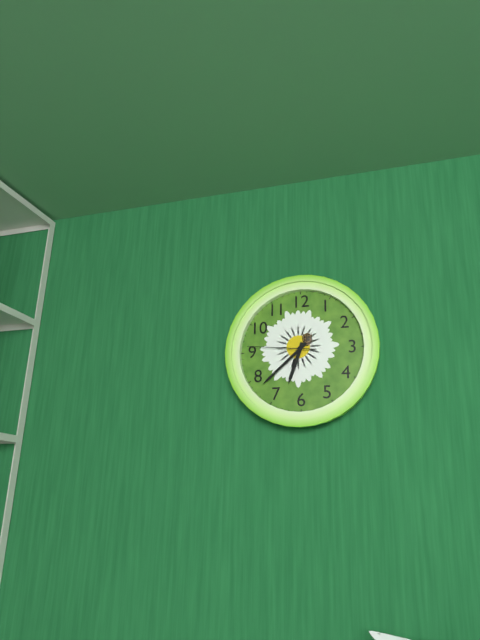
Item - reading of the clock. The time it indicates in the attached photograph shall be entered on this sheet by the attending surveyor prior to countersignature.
6:38:46
